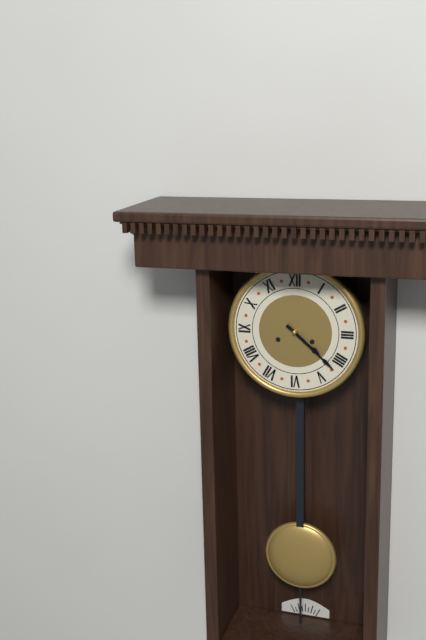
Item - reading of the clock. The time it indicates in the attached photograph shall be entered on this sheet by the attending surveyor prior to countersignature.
4:22
